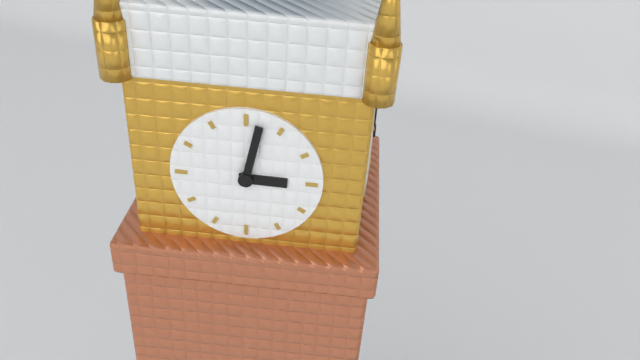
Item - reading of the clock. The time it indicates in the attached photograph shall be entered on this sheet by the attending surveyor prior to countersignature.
3:02
